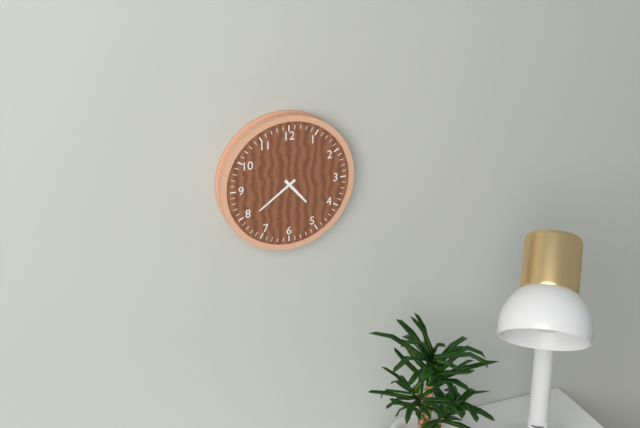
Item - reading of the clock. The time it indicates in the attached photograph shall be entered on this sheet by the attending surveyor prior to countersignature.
4:39
